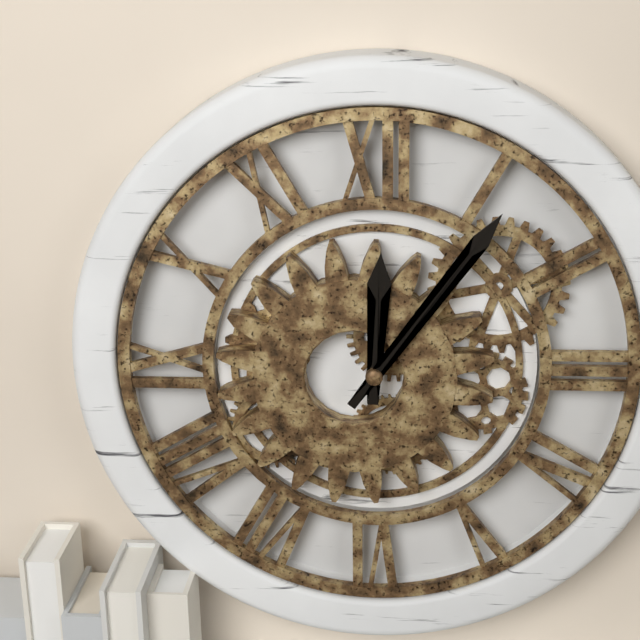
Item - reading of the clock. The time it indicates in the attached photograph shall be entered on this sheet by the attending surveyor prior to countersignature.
12:06
